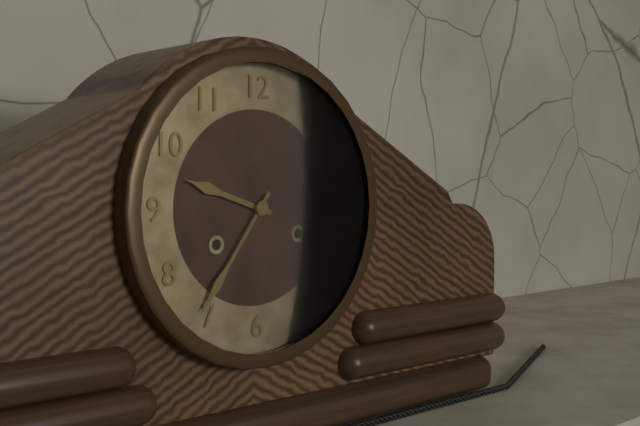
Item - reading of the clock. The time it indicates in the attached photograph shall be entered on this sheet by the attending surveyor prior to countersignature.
9:36
